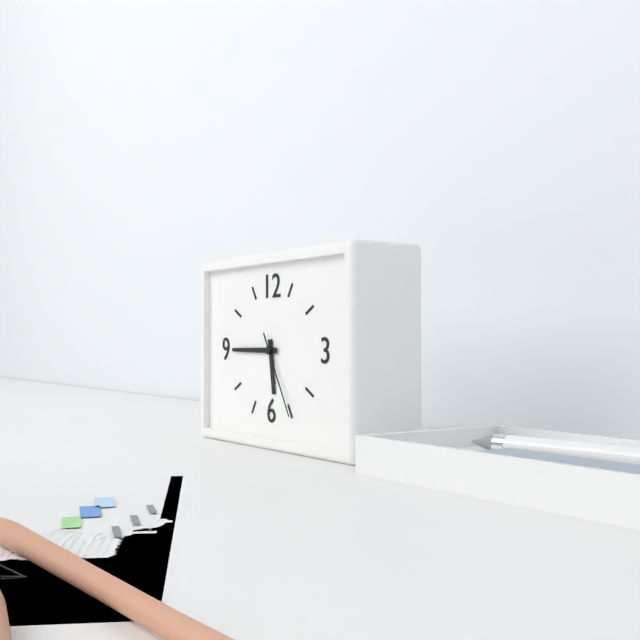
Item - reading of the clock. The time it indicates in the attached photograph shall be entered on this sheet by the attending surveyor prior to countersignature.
5:45:25
